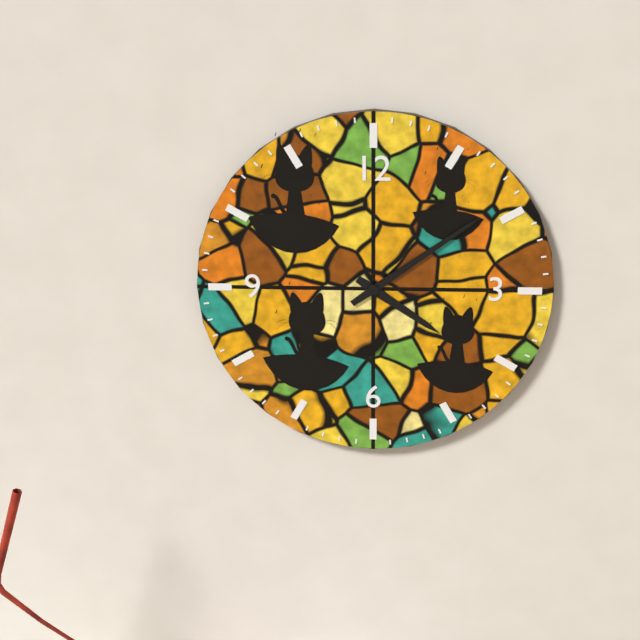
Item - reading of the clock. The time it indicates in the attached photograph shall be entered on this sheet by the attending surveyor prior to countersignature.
4:09
